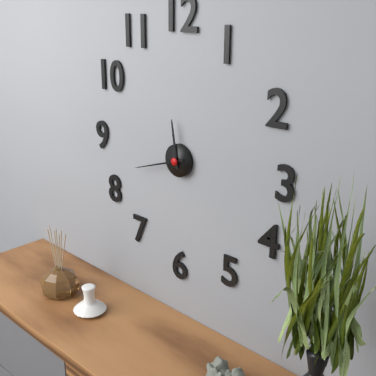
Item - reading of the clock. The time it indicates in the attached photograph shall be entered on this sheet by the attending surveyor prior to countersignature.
11:42
